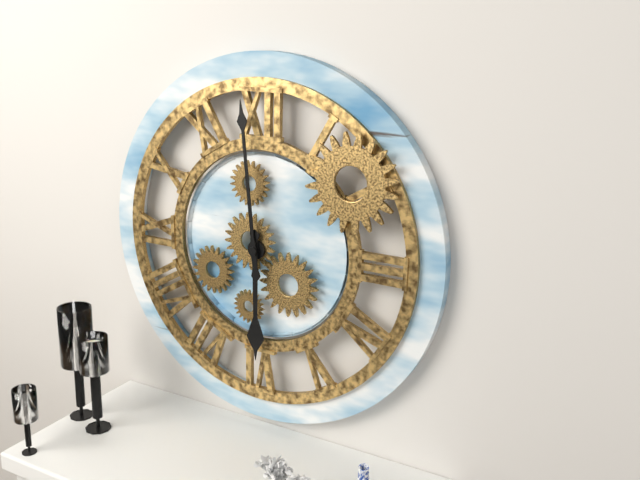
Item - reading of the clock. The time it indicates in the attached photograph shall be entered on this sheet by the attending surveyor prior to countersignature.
5:59
